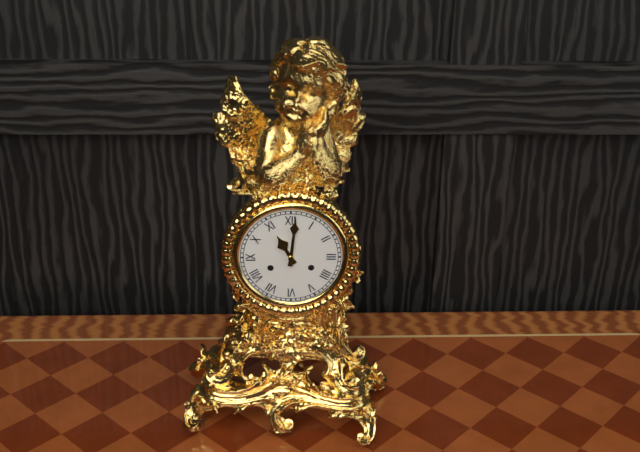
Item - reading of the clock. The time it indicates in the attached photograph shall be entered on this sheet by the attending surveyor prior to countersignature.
11:01
